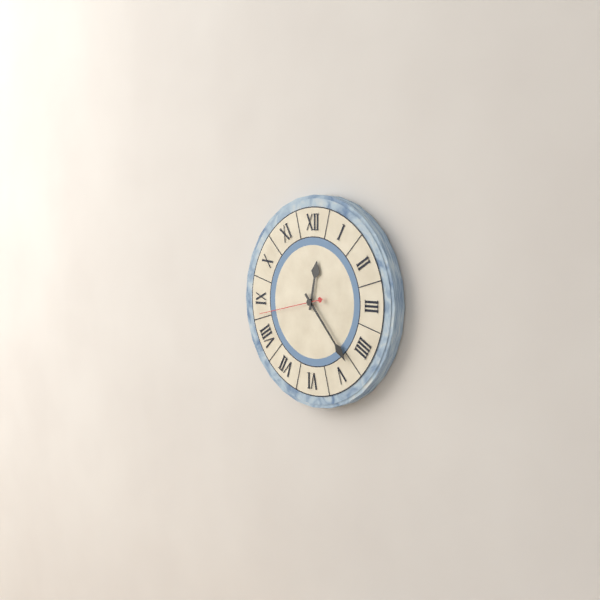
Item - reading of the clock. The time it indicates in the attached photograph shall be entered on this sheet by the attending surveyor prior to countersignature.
12:23:43
